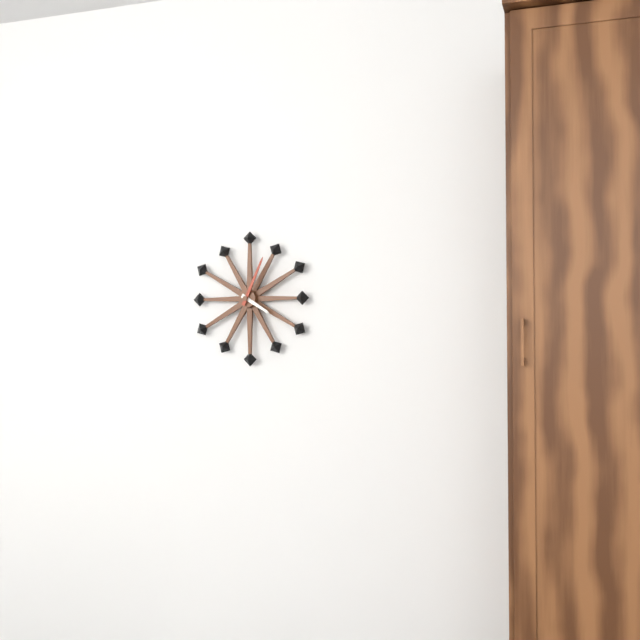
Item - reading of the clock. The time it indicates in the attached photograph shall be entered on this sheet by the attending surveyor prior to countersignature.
4:04
